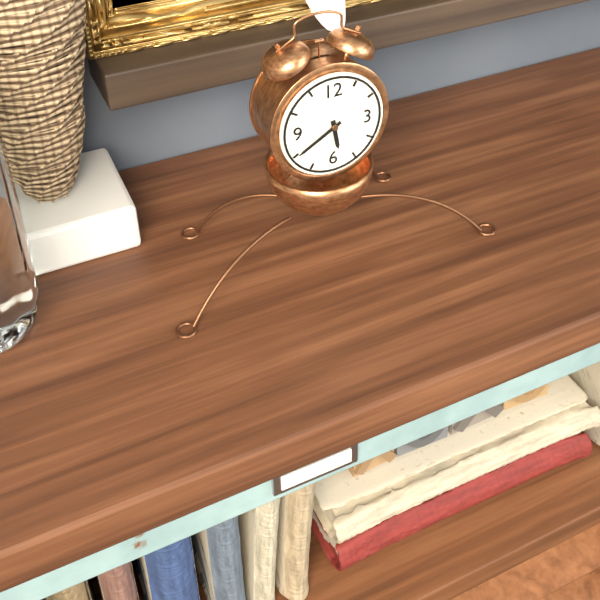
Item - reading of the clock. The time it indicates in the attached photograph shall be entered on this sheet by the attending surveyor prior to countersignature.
5:40
